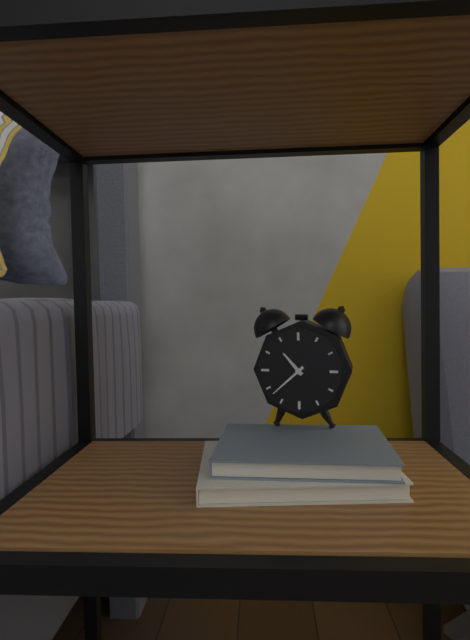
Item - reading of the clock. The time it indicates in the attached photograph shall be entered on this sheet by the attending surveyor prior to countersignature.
10:38
